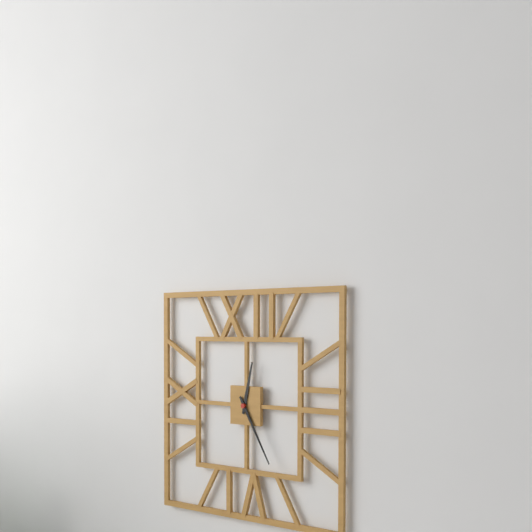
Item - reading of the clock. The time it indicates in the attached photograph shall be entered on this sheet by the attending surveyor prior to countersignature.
12:25
